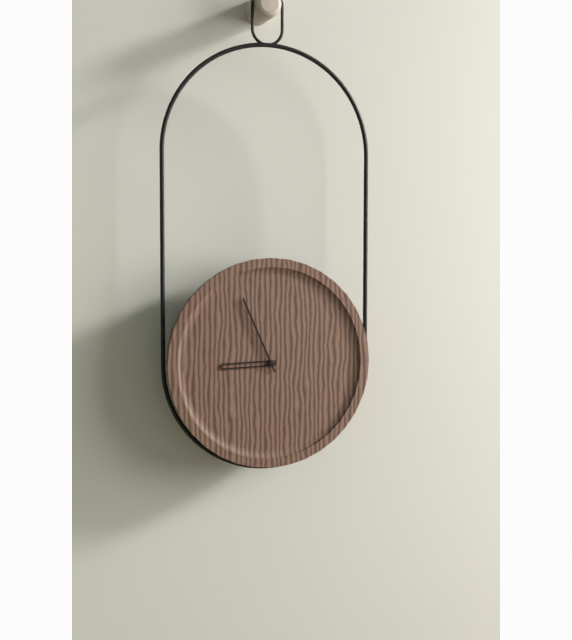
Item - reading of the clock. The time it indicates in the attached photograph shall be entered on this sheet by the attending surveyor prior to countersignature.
8:56
